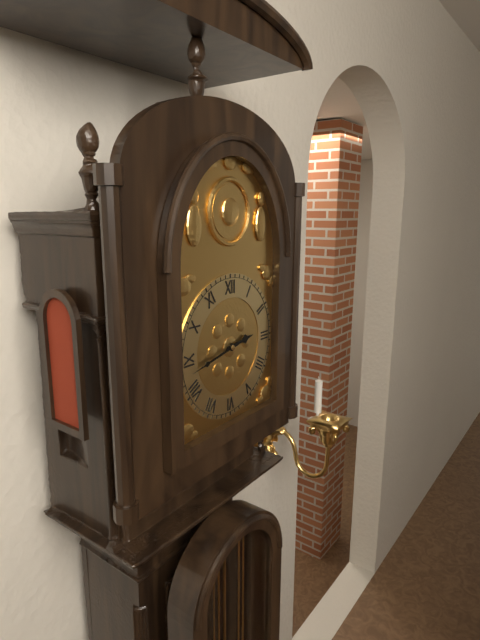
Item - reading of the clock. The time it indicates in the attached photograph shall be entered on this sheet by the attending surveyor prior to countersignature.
2:43
